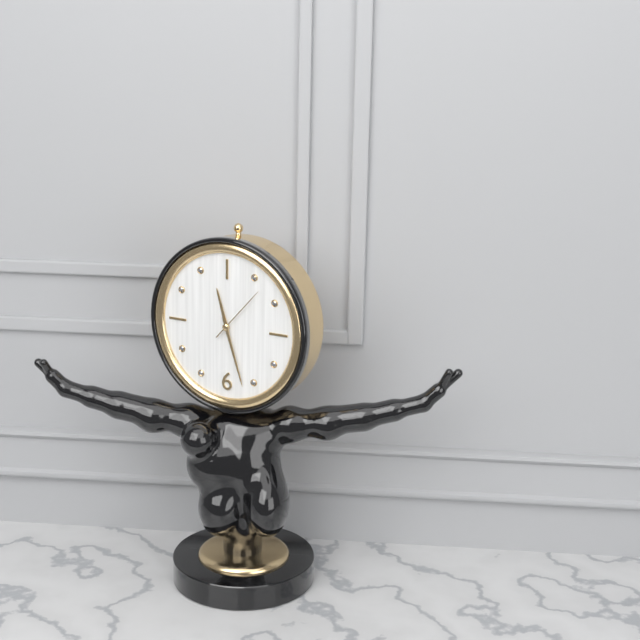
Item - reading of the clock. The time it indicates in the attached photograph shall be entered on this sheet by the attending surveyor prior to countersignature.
11:27:07
